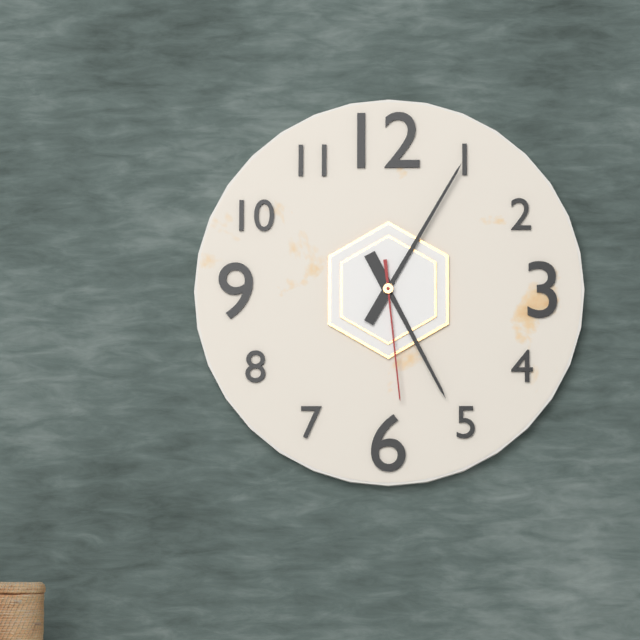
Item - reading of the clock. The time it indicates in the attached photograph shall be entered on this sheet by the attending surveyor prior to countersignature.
5:05:29
